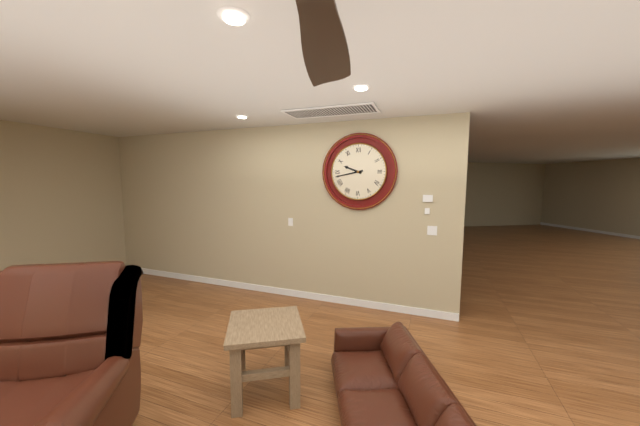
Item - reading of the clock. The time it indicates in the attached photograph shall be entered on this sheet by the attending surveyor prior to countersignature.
9:43
